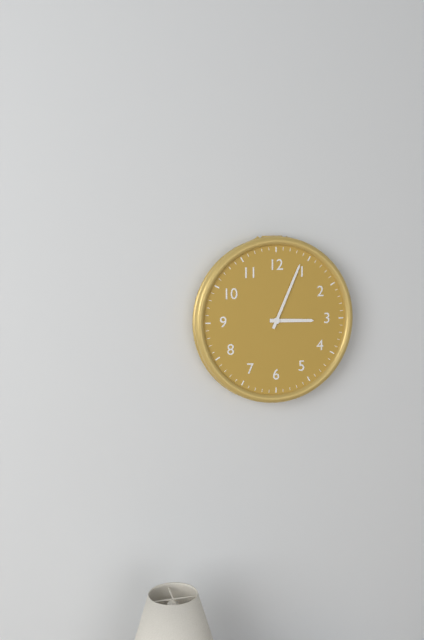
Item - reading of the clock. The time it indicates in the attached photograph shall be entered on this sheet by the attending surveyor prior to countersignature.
3:04
